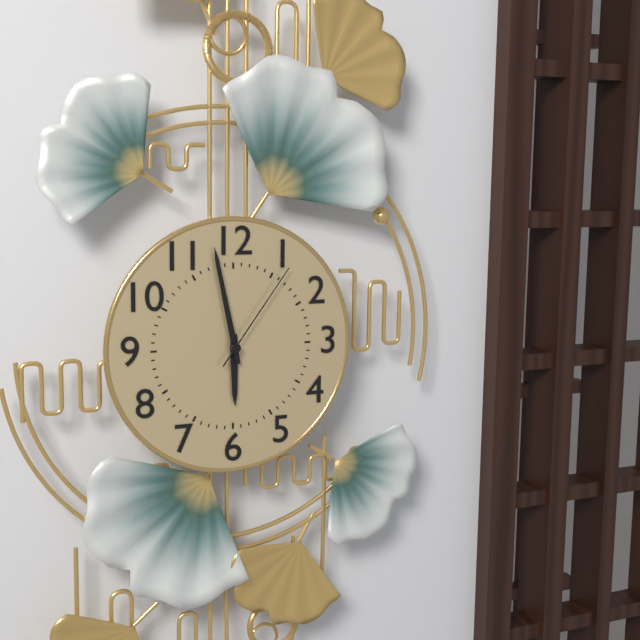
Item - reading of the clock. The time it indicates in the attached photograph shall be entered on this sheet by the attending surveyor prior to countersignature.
5:58:06
